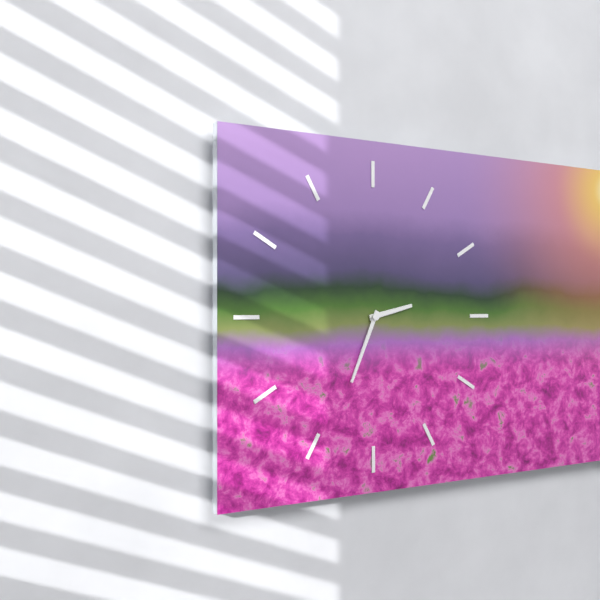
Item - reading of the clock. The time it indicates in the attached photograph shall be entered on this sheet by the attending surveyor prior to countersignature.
2:34
